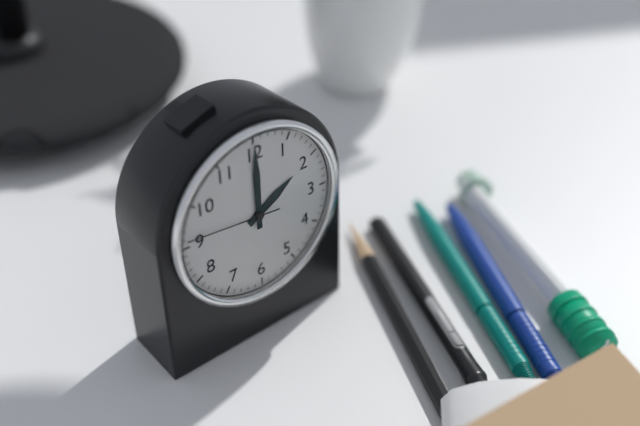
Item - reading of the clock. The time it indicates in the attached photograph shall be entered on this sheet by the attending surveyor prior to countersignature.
2:00:46
